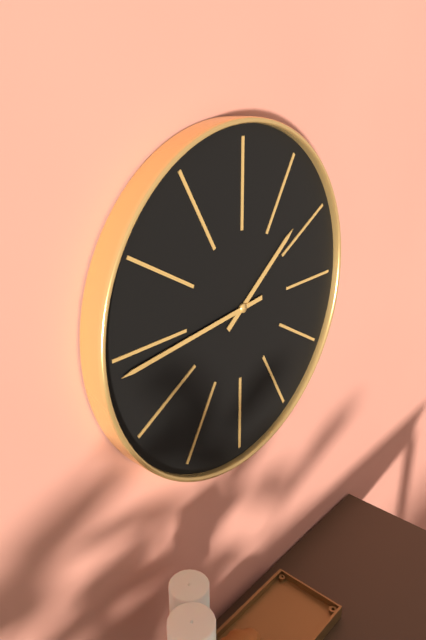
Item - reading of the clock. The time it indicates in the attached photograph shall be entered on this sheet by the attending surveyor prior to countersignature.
1:44
